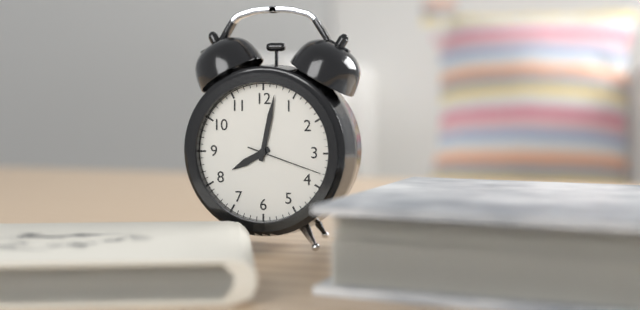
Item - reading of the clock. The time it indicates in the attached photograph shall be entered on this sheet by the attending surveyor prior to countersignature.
8:02:18
